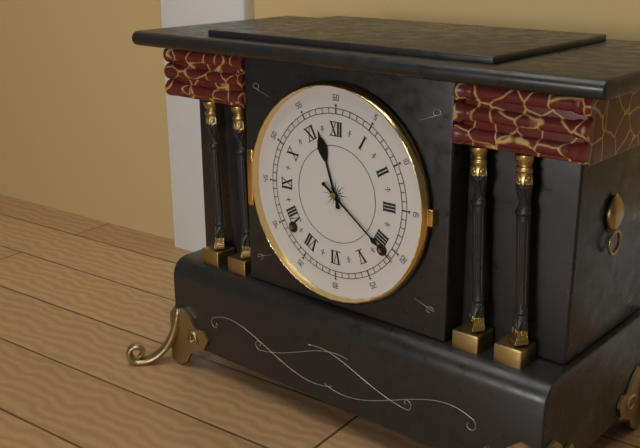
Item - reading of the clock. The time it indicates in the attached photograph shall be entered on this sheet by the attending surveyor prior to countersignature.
11:21
